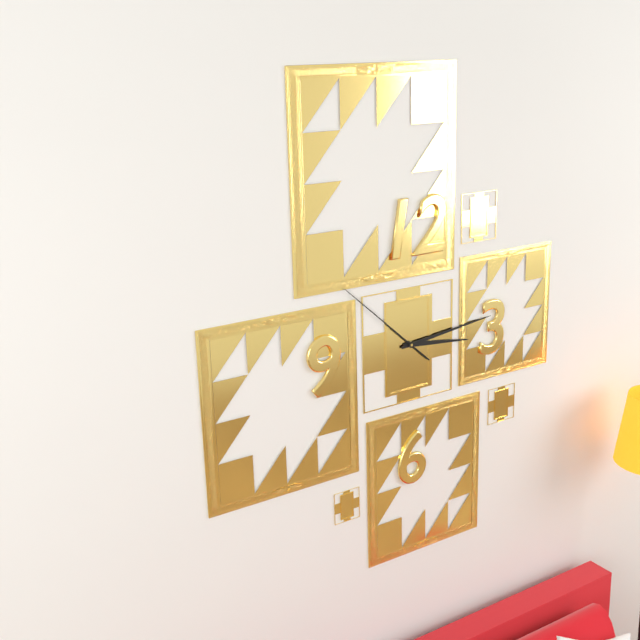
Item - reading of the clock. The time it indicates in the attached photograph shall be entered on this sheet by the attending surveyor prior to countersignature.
3:14:52
